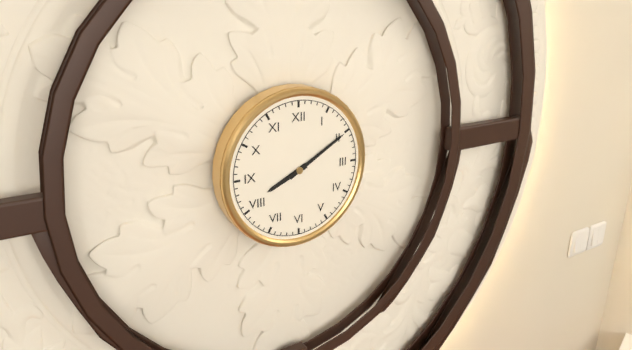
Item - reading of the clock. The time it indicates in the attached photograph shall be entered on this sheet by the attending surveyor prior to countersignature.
8:10
